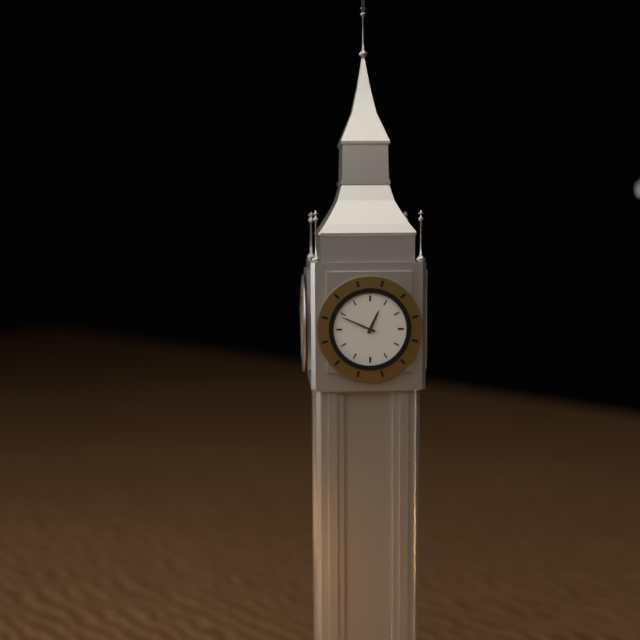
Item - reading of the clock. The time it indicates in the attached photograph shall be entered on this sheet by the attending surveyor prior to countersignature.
12:49
